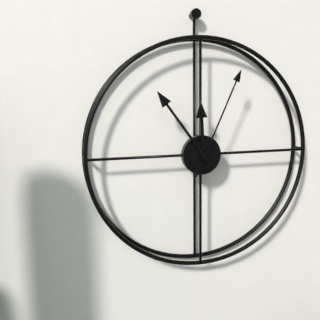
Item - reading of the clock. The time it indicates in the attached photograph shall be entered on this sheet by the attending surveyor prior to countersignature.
11:54:04
